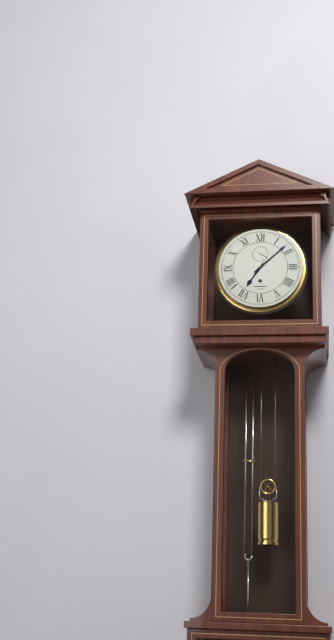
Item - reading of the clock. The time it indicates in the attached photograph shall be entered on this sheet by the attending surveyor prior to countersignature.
7:08
